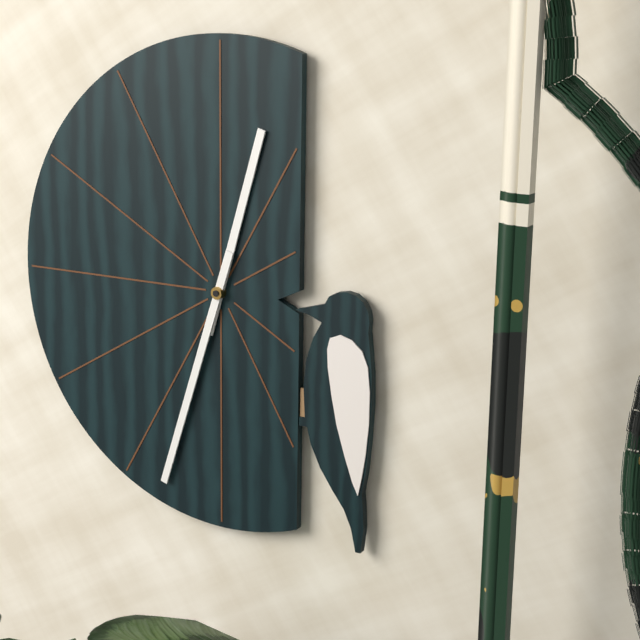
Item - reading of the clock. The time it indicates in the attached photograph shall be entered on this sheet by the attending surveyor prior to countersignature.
12:33
